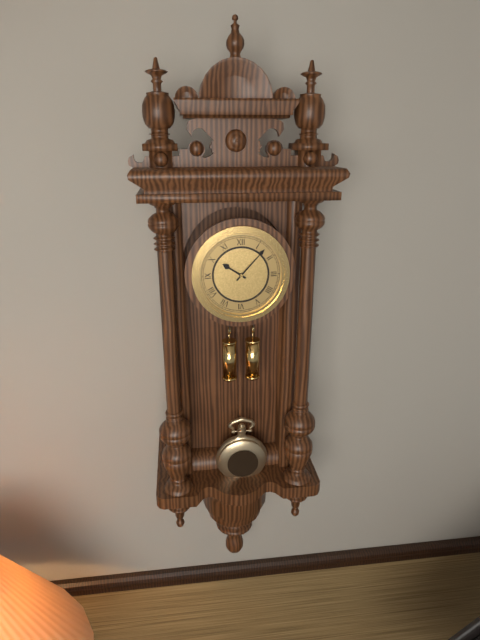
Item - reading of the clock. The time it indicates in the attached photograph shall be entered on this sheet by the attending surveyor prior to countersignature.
10:07
